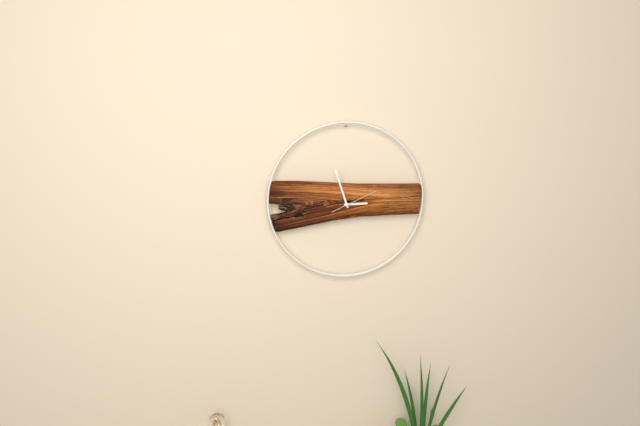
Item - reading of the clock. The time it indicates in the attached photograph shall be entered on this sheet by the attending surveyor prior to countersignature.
2:57
